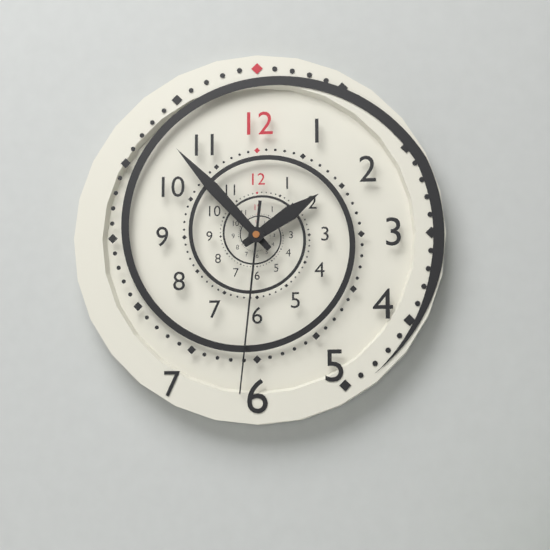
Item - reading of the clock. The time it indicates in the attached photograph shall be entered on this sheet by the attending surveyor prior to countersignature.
1:53:31
